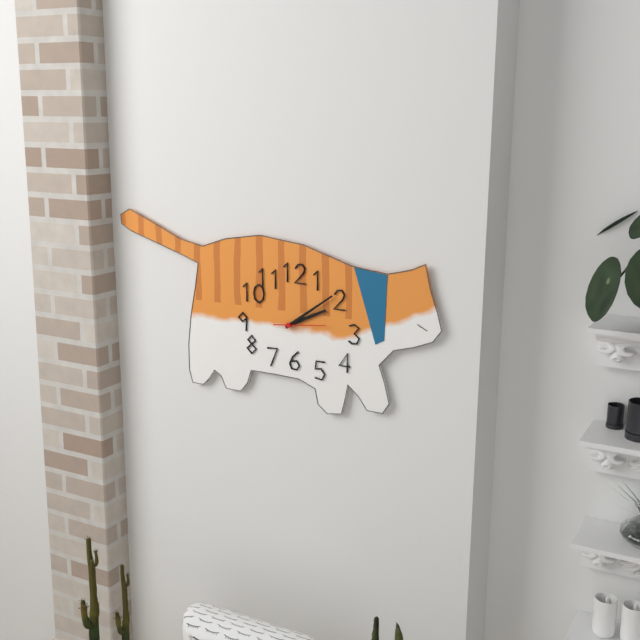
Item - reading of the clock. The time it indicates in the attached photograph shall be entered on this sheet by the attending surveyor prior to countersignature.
2:09
